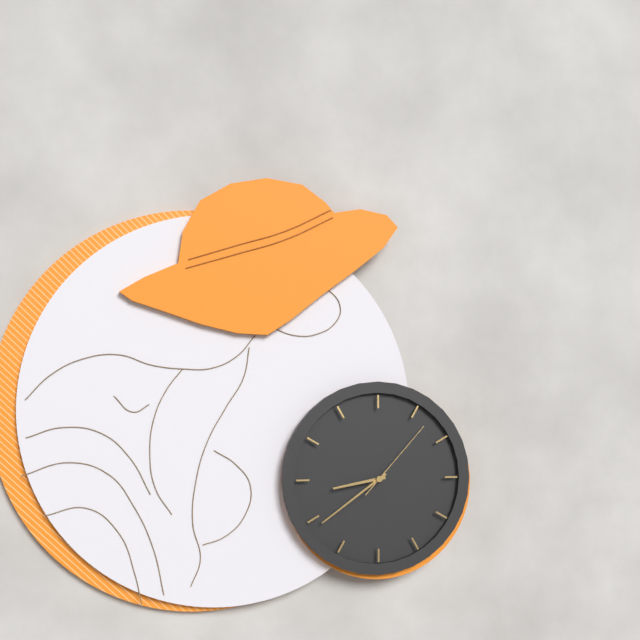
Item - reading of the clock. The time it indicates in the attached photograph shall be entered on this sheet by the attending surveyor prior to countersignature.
8:39:07
